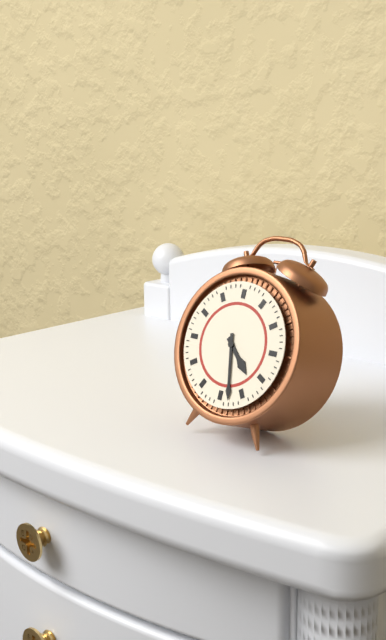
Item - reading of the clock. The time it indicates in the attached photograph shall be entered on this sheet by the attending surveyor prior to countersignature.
4:28
